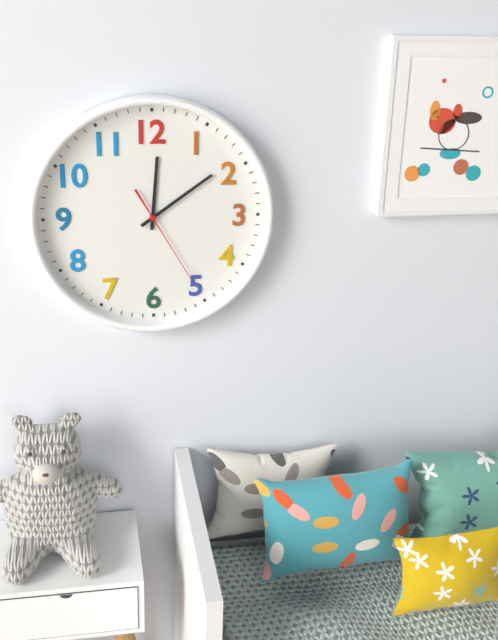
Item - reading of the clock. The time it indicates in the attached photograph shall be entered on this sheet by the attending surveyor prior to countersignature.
12:09:25
